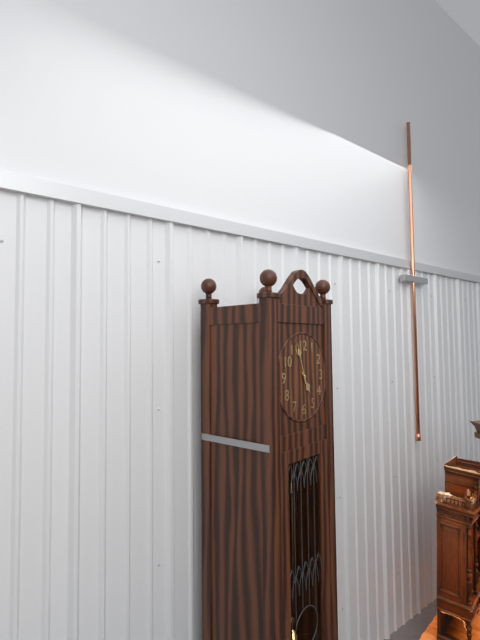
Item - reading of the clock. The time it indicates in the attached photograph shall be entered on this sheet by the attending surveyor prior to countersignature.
4:57
